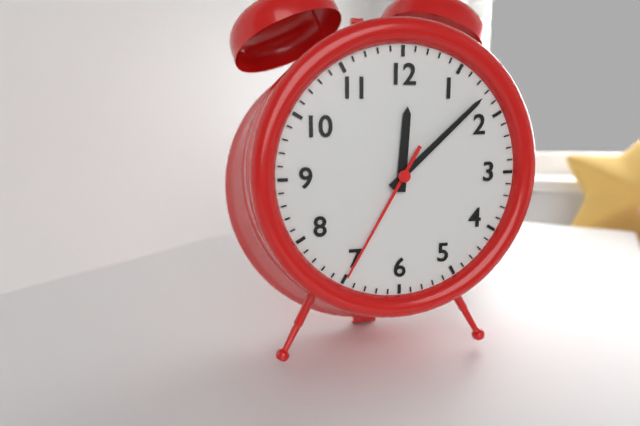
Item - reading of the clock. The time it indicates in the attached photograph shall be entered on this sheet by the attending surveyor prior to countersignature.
12:08:35
